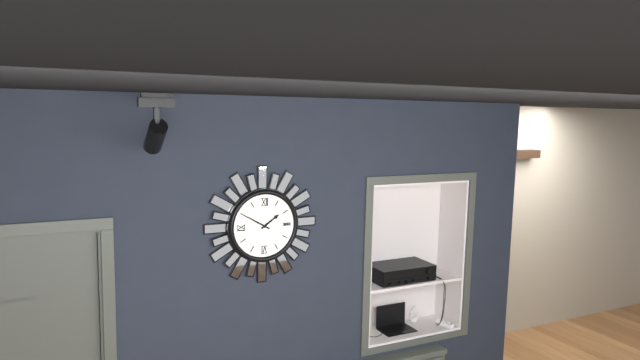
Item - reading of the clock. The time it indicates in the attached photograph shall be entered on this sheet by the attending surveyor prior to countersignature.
1:50
